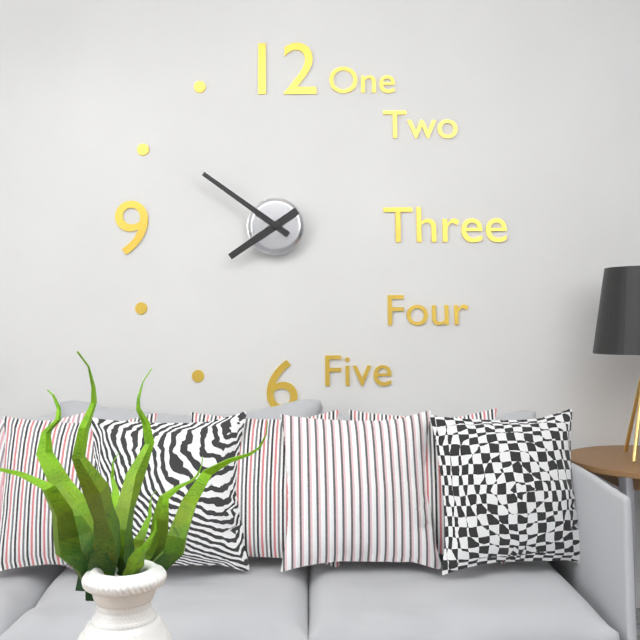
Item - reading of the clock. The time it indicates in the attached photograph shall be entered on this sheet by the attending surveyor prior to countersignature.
7:51
